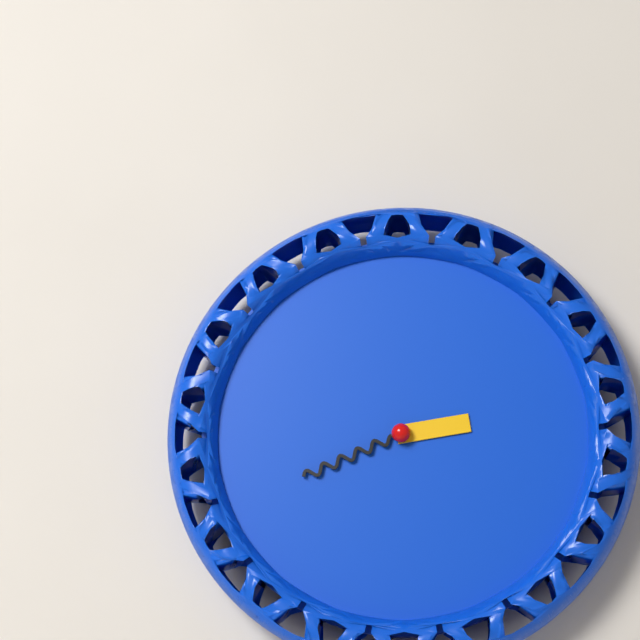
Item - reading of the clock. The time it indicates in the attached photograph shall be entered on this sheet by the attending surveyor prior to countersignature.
2:41
